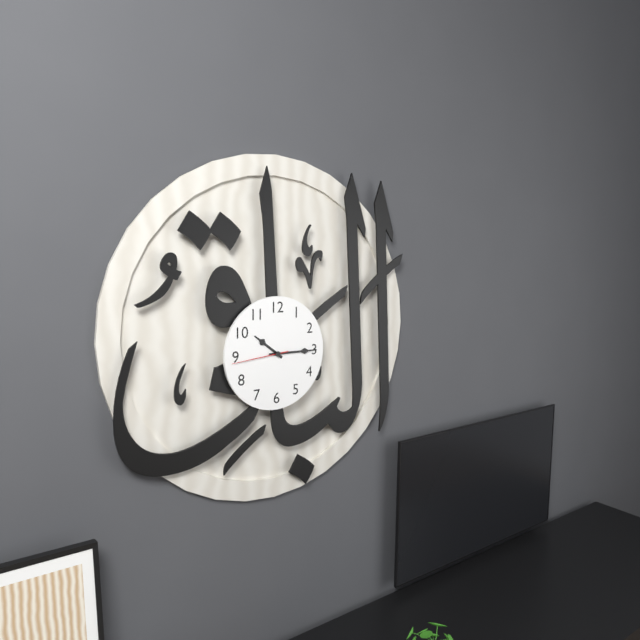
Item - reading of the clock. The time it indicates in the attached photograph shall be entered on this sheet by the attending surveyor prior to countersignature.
10:15:44
